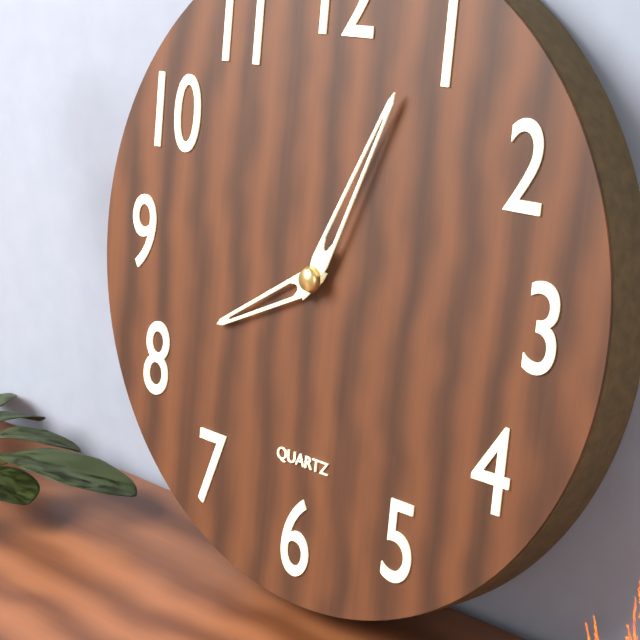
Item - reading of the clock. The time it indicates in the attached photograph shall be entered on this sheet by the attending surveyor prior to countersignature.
8:04
